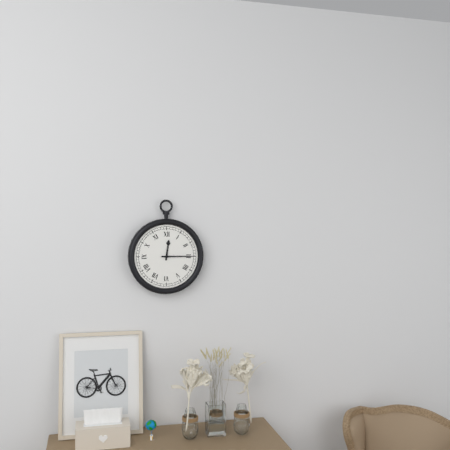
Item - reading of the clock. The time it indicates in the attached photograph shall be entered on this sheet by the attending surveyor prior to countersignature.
12:15
